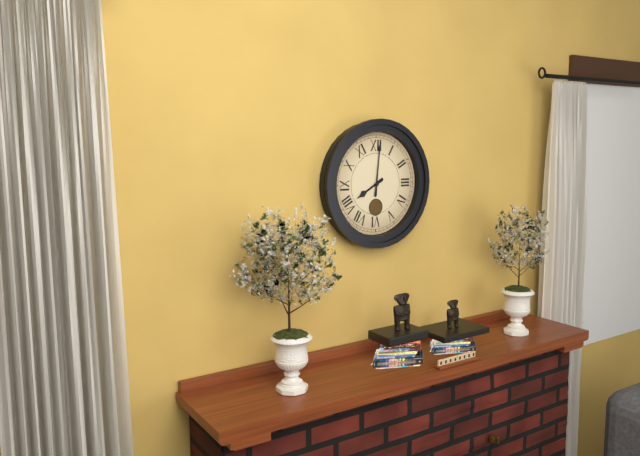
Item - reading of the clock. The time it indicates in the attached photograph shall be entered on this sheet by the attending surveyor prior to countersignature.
8:01
